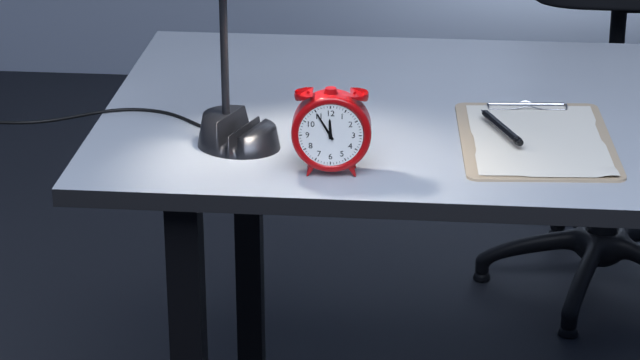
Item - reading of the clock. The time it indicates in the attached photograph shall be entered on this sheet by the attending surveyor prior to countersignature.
11:55
